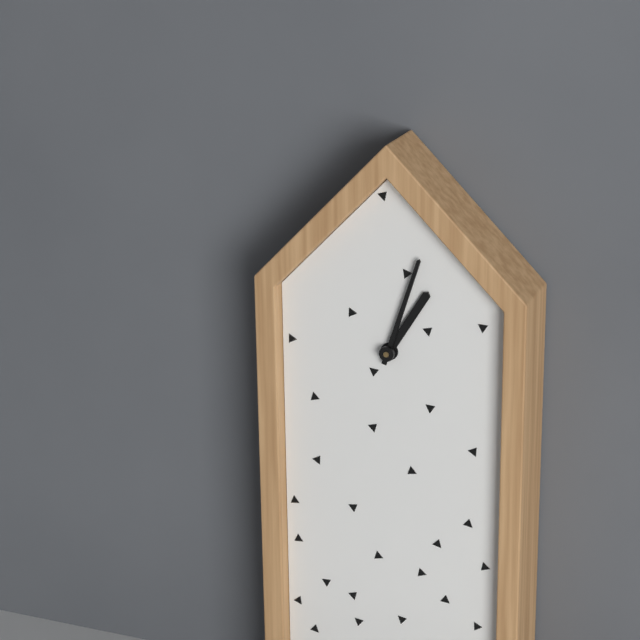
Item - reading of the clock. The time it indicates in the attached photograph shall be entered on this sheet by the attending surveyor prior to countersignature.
1:03
